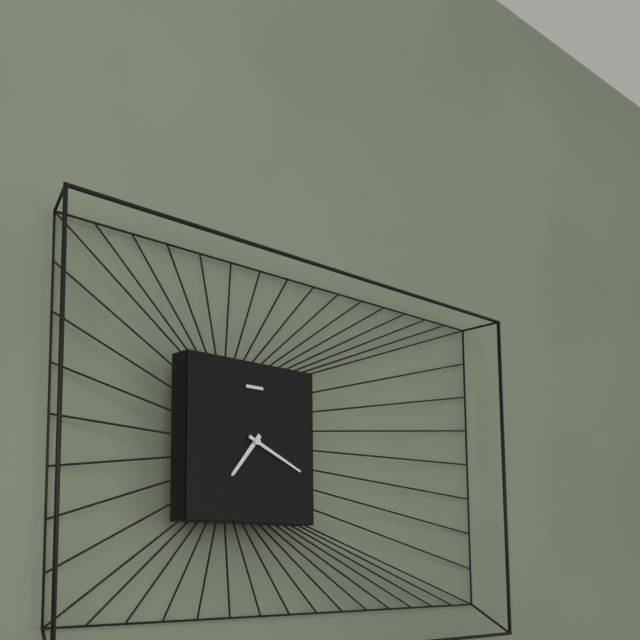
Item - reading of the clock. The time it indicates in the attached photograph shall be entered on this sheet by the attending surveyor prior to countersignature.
7:19
